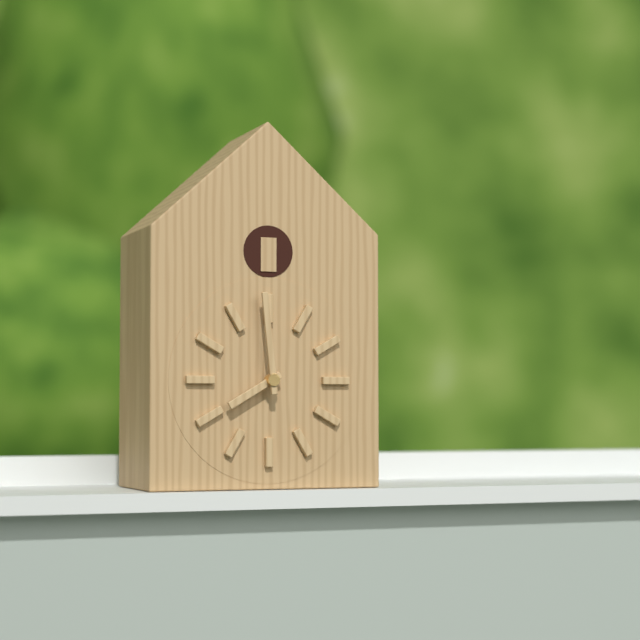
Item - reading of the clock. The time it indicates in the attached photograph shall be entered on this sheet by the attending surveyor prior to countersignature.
7:59
